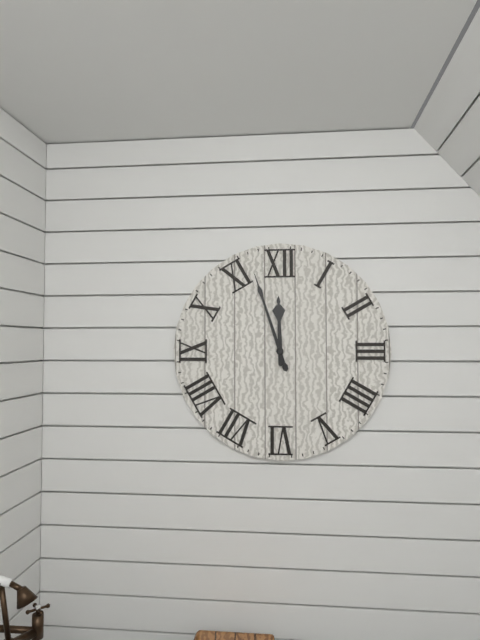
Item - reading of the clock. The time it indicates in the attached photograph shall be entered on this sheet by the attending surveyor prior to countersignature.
11:57
